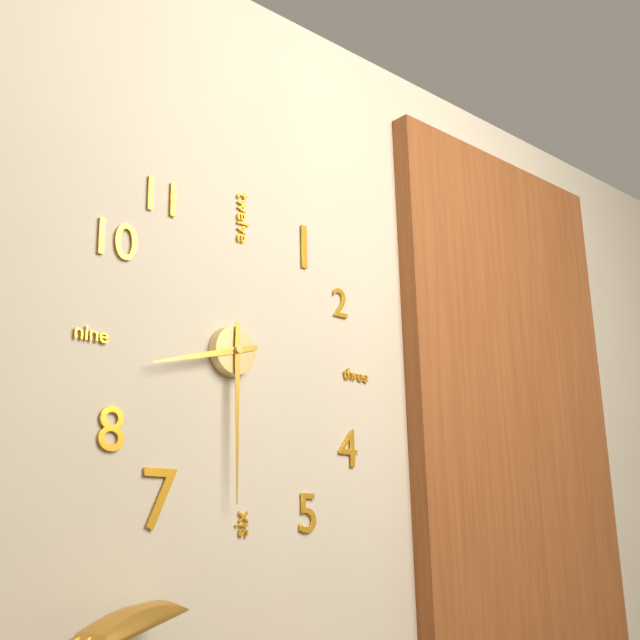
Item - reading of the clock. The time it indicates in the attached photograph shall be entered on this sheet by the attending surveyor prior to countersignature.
8:30
